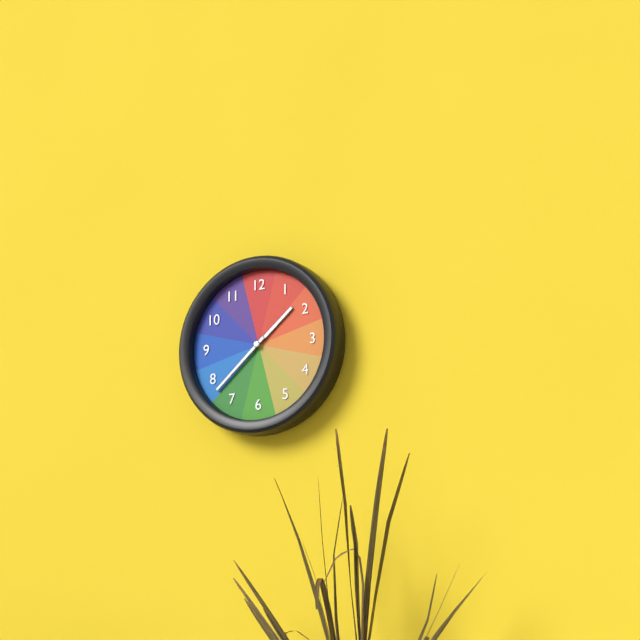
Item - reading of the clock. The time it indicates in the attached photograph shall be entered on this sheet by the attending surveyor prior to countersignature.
1:38
